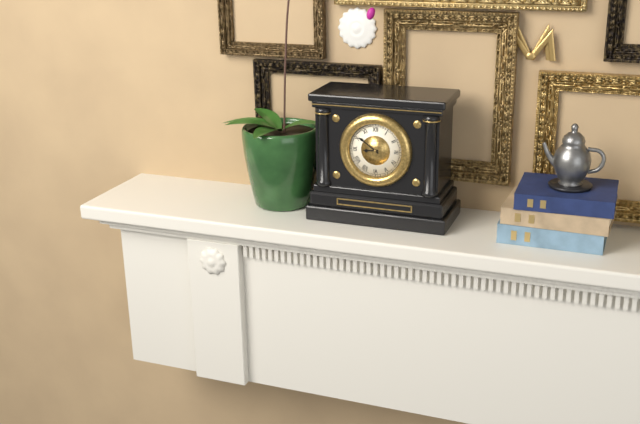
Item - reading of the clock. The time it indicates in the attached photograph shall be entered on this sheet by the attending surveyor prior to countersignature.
8:51
